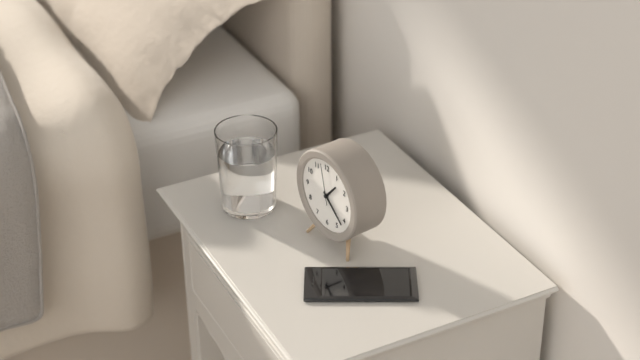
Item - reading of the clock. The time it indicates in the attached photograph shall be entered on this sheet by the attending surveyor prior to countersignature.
1:22
